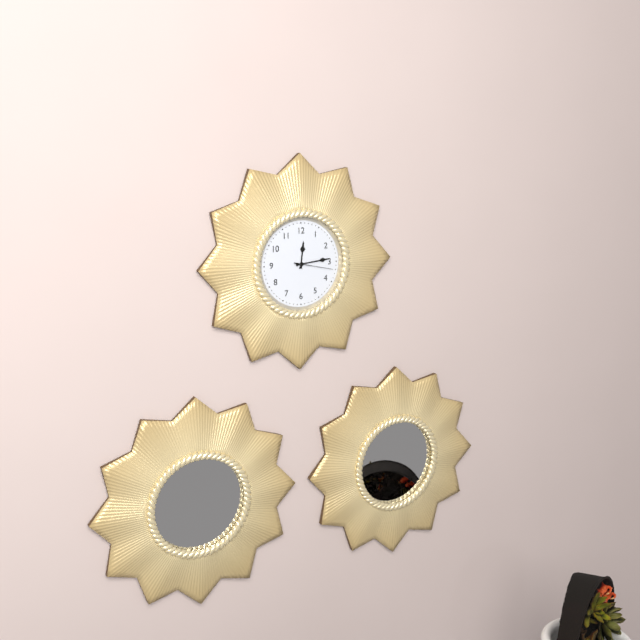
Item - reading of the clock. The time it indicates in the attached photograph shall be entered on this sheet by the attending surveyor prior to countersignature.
12:14
